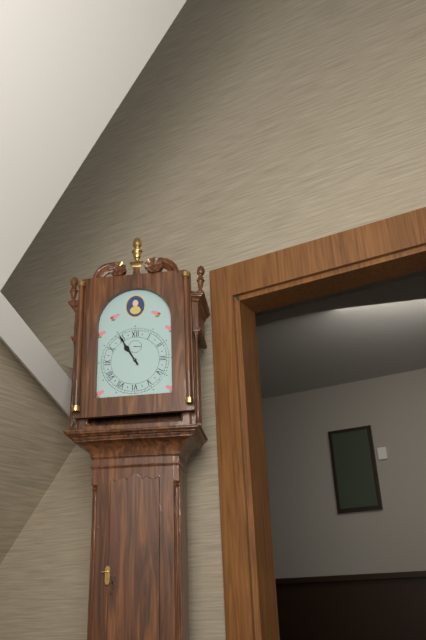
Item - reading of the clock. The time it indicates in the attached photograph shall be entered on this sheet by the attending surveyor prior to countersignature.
10:55
